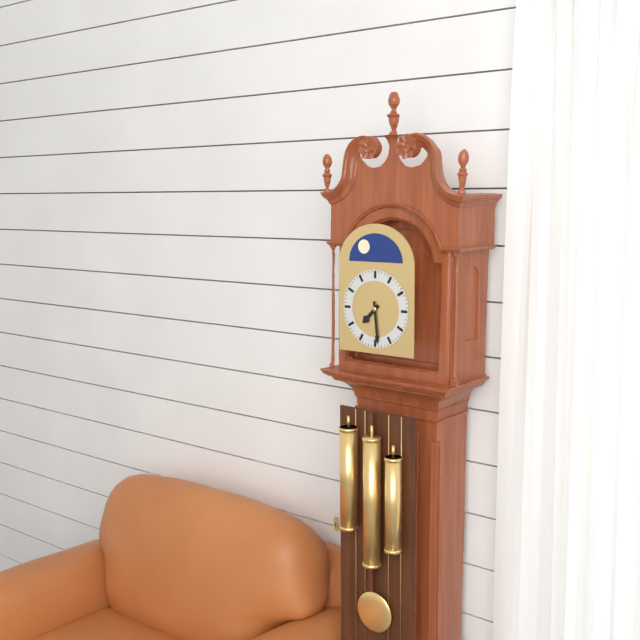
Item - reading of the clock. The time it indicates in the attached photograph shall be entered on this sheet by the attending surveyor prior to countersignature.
7:29
